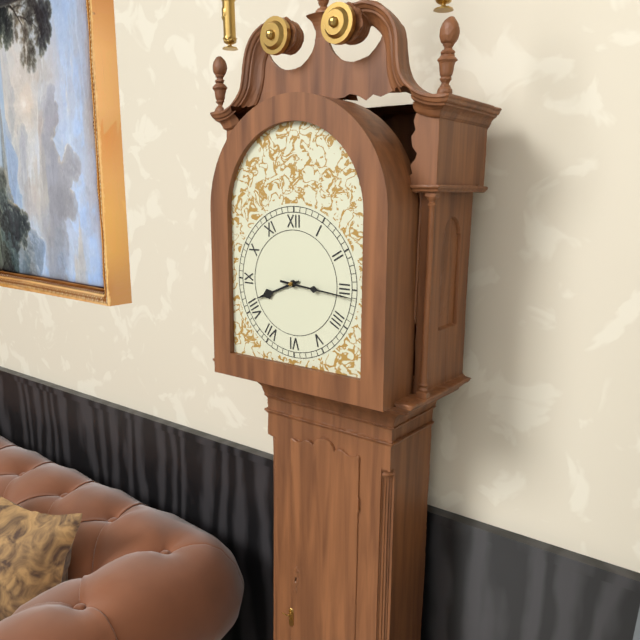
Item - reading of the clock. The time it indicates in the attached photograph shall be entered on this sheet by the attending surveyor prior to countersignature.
8:16
